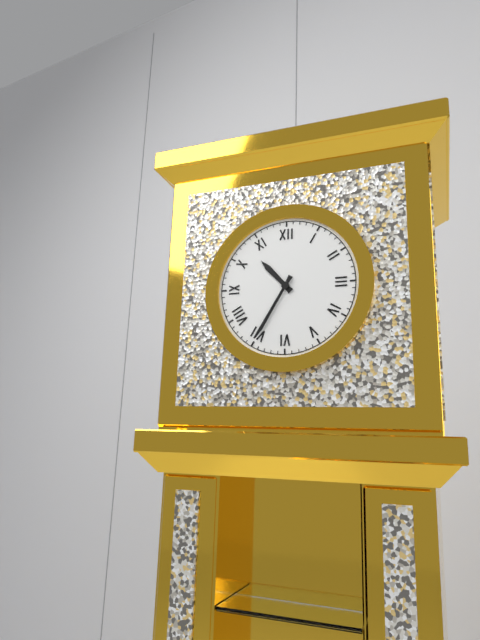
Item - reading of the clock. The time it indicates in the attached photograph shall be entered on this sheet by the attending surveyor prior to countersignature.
10:35
